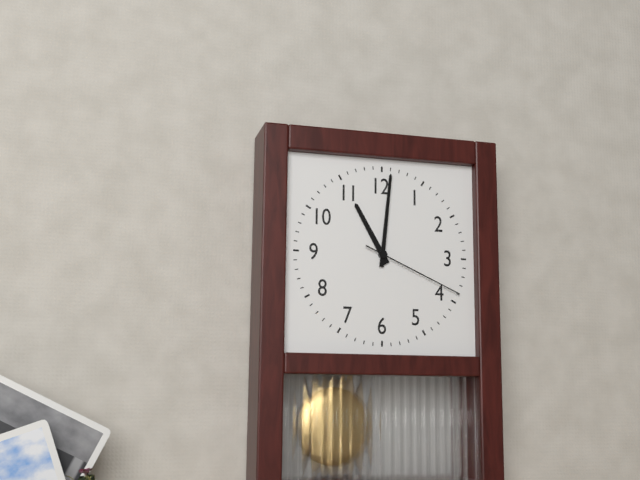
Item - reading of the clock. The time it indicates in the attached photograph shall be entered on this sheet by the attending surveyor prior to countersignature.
11:01:19
